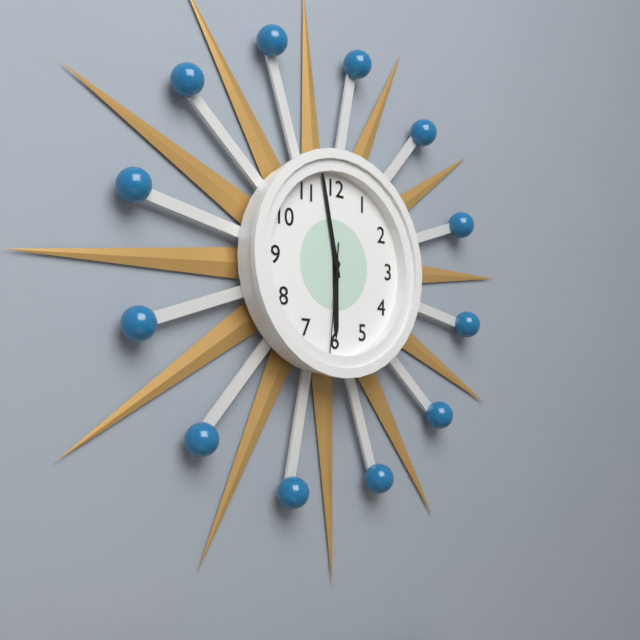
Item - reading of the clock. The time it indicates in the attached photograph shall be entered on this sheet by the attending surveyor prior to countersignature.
5:58:31
